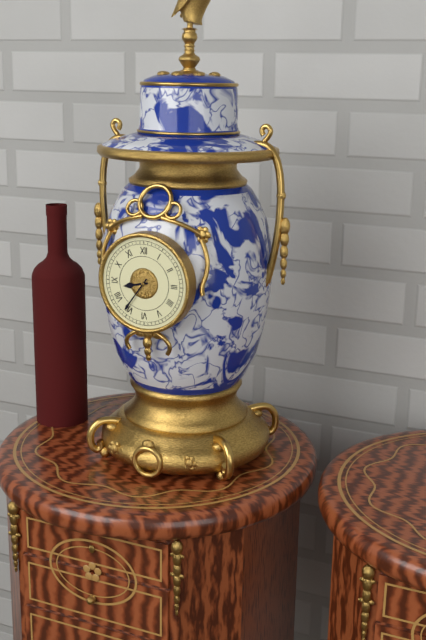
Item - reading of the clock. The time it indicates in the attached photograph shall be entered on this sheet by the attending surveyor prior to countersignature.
8:36
